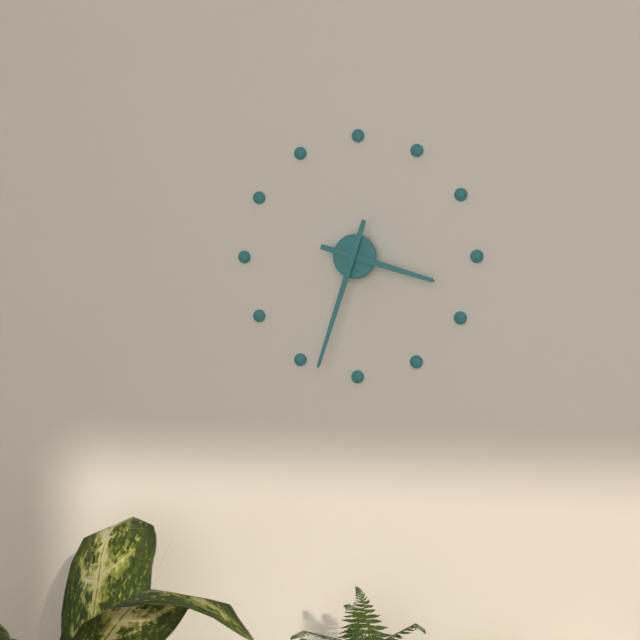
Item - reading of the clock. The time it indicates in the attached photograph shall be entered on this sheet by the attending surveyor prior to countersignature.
3:33
